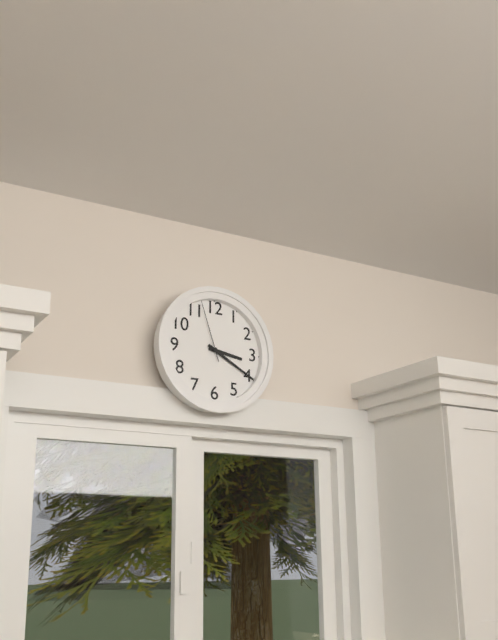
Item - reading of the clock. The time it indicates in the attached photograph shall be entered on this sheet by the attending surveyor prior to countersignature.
3:20:57
